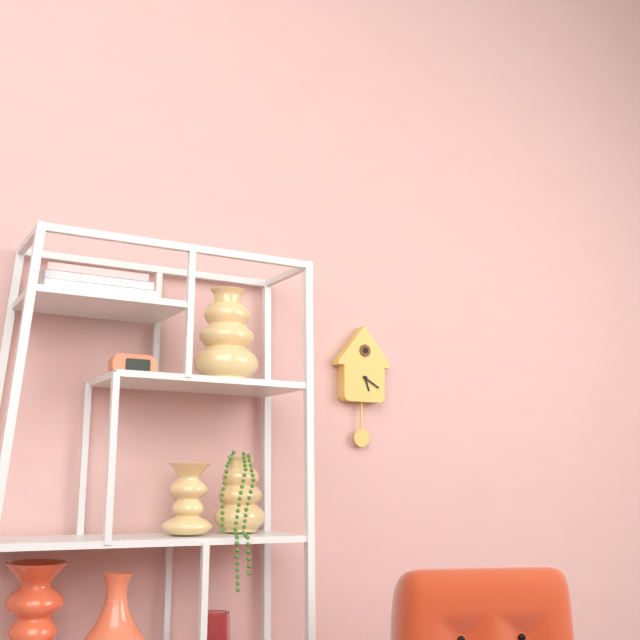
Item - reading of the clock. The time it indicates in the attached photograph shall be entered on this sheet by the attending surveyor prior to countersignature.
5:20
